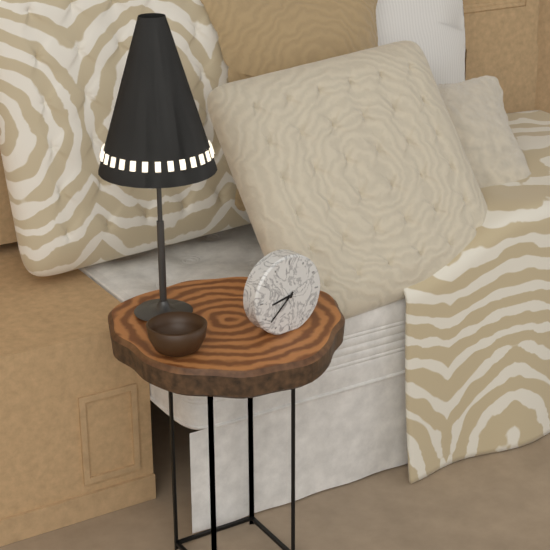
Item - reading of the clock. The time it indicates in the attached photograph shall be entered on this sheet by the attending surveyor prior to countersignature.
8:38
